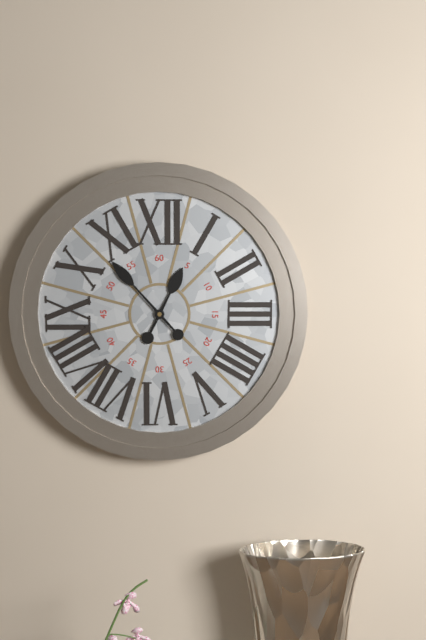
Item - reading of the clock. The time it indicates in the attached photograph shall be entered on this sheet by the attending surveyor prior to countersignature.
12:53
